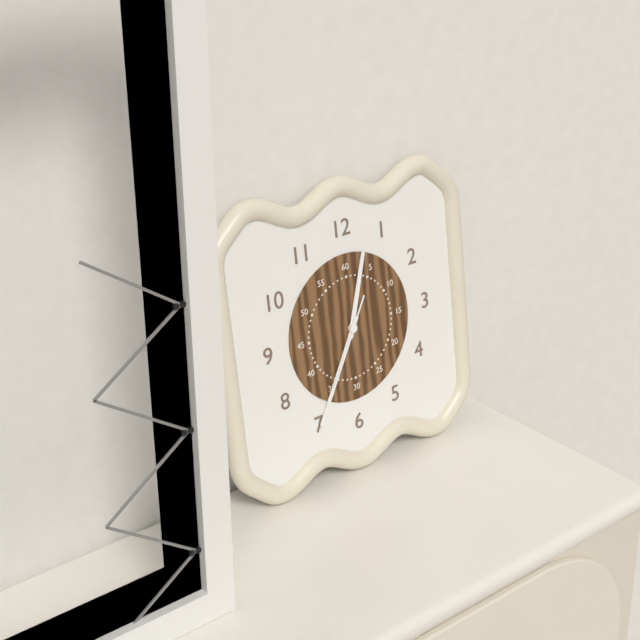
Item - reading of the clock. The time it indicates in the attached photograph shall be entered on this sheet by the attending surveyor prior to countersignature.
12:35:35
